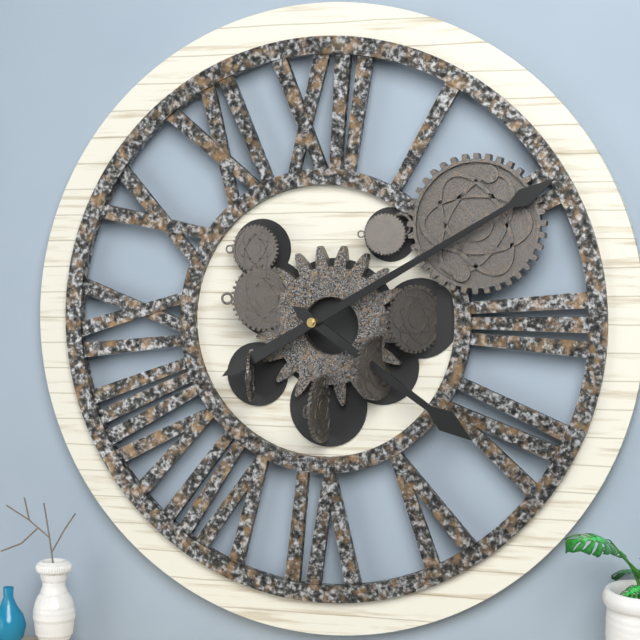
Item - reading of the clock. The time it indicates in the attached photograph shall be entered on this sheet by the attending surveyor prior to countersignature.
4:10
